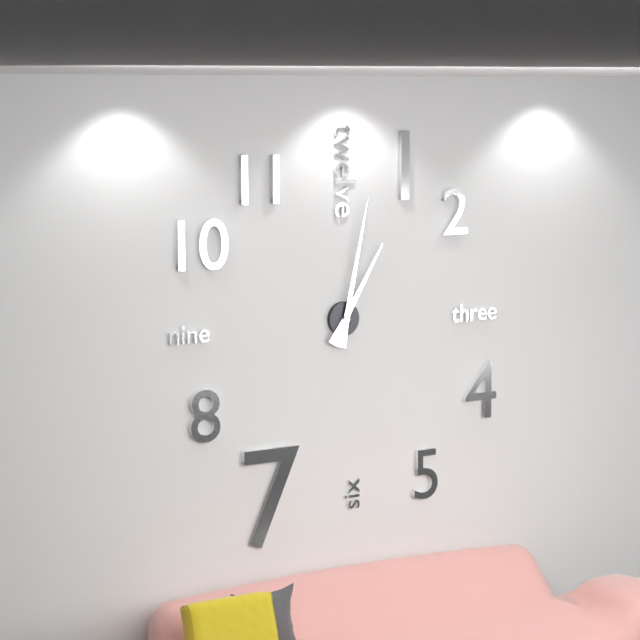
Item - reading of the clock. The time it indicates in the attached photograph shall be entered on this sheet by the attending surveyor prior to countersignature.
1:02
